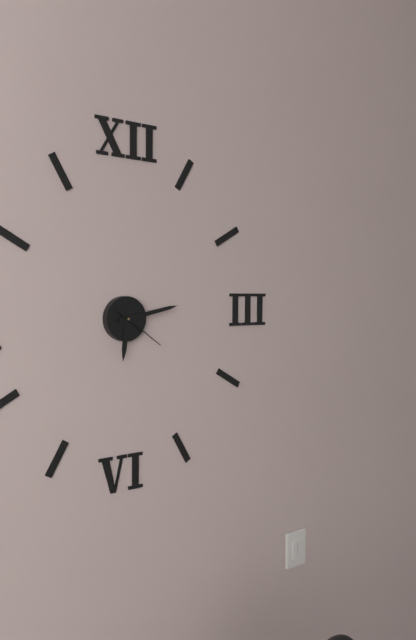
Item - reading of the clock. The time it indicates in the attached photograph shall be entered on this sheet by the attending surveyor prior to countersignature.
6:13:21
